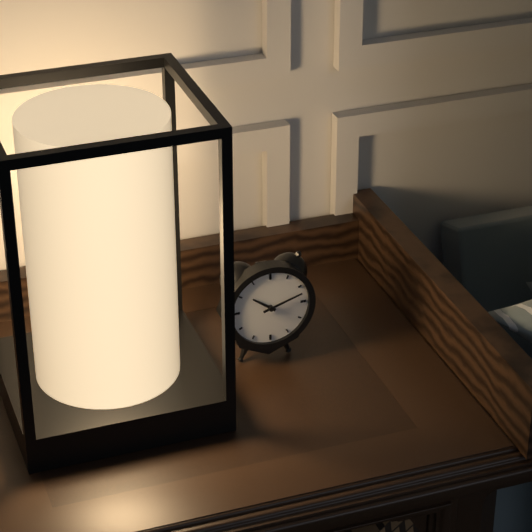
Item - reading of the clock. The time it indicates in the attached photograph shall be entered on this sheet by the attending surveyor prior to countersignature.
10:12
